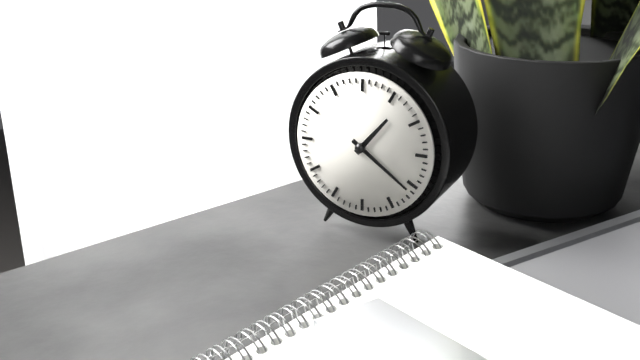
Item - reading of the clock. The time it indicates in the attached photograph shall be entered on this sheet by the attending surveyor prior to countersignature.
1:21
